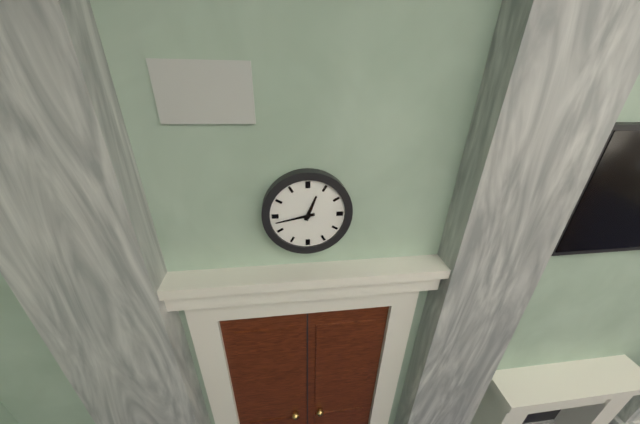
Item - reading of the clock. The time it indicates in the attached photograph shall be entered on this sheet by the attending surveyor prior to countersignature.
12:43
